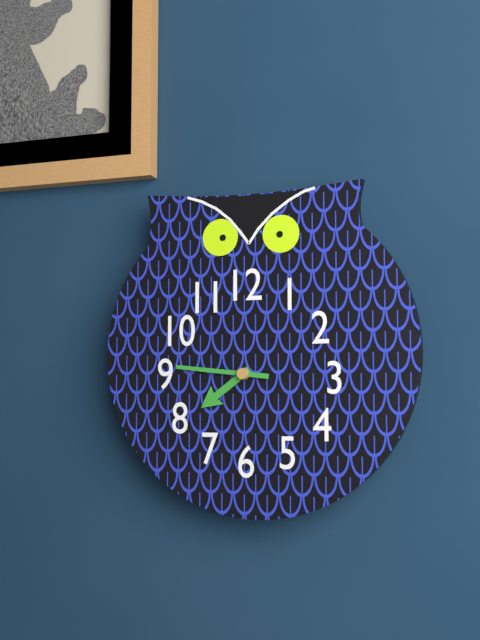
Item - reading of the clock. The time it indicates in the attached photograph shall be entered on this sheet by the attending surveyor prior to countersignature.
7:46
